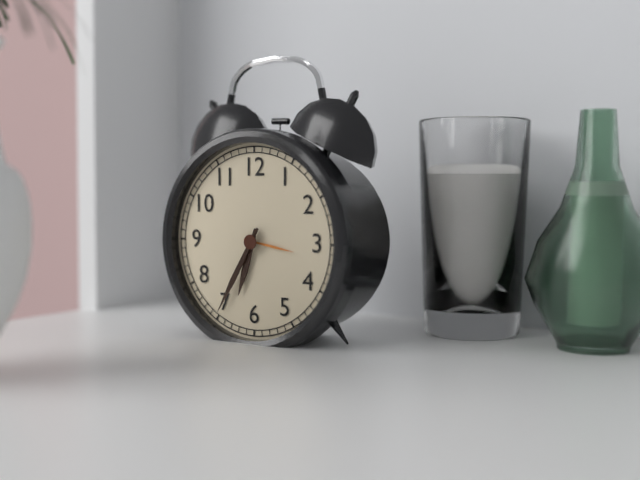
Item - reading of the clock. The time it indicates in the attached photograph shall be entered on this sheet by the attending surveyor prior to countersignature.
6:35
